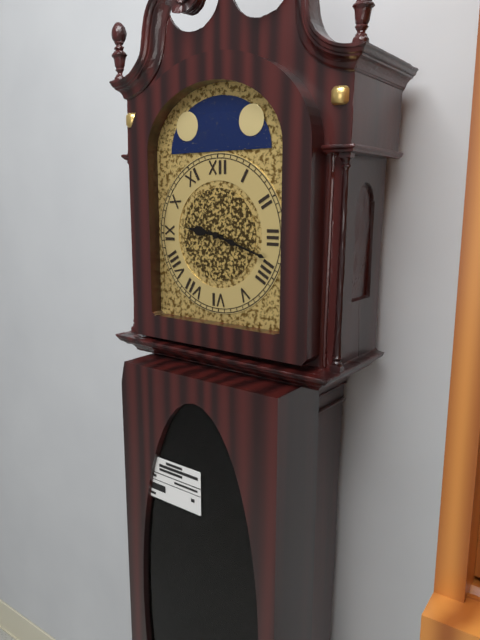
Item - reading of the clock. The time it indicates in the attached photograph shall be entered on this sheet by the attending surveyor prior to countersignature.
9:18
